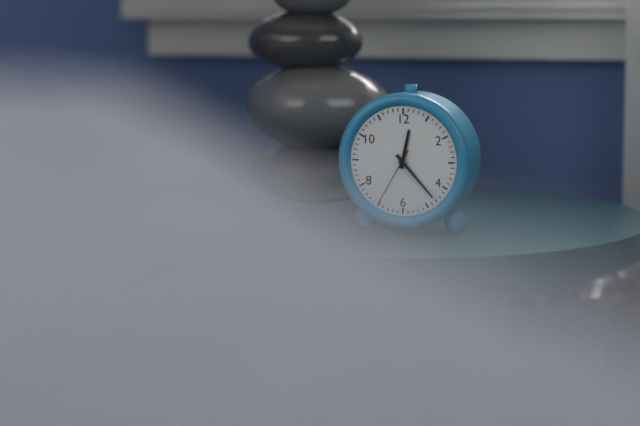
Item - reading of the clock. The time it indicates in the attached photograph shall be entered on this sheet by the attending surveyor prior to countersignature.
12:23:35
